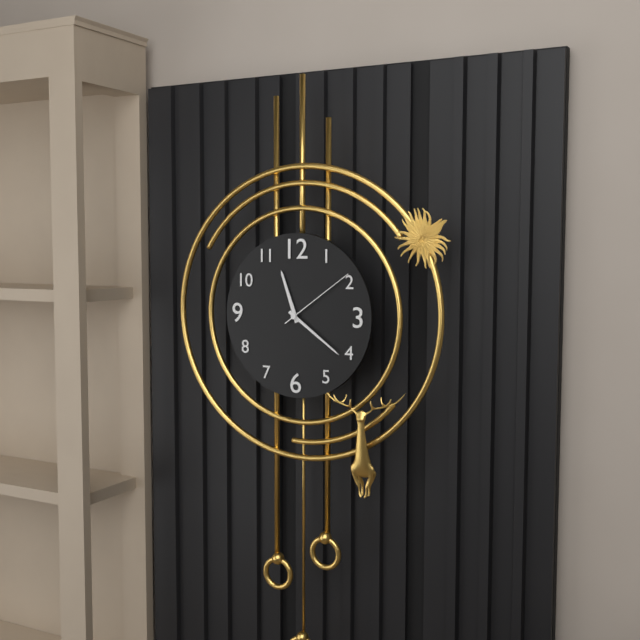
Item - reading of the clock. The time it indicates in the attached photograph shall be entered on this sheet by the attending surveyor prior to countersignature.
11:21:09
